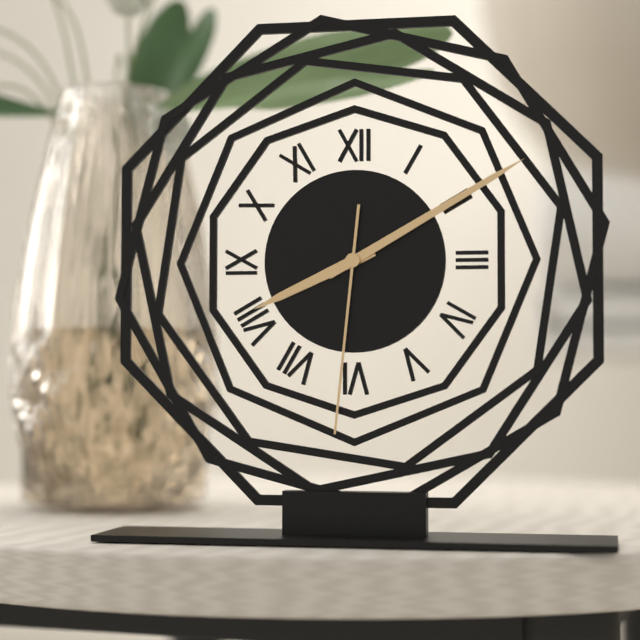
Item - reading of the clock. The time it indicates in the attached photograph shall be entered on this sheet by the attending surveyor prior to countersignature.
8:10:31
